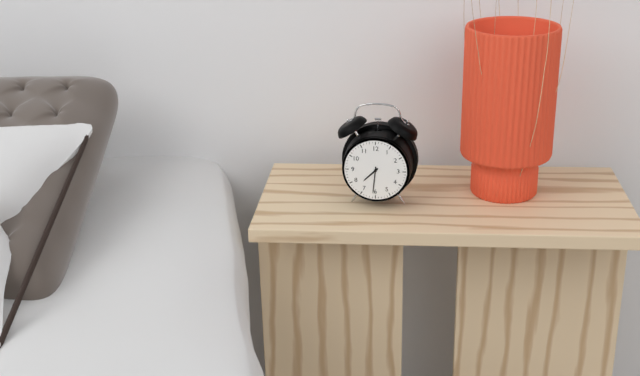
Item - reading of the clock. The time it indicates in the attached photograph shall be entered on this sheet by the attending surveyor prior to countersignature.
7:31
